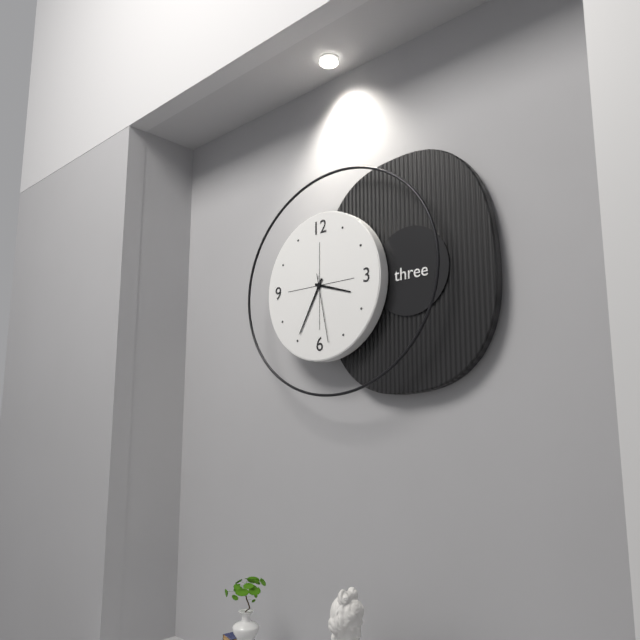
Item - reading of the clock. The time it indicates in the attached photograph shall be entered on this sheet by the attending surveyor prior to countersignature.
3:35:28
